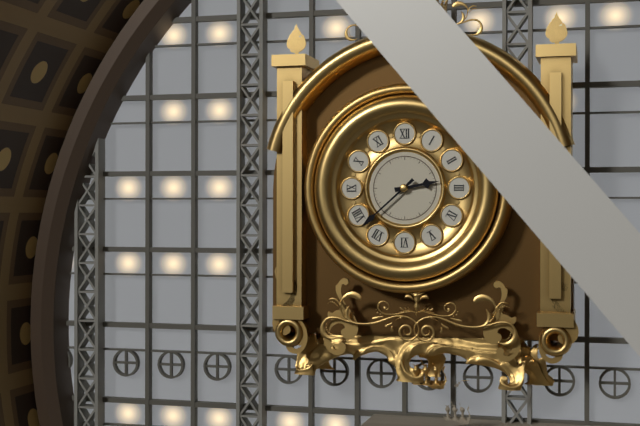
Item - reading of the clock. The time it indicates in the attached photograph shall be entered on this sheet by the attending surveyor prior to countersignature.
2:38
